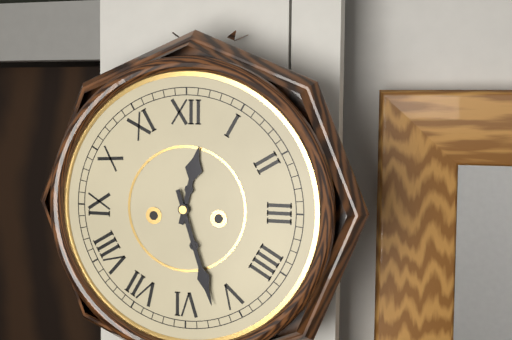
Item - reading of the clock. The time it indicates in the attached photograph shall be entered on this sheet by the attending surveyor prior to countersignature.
12:27
